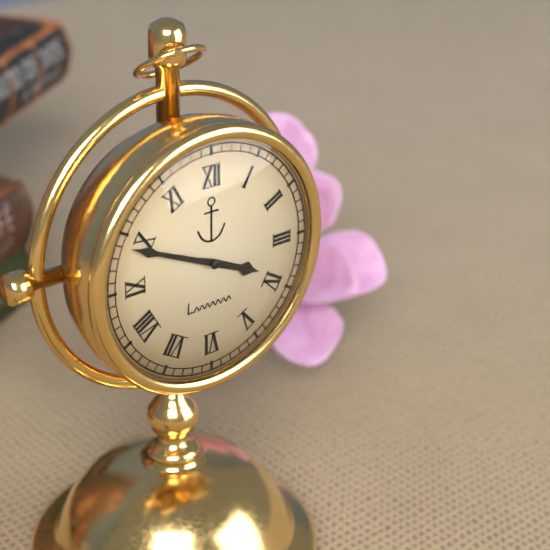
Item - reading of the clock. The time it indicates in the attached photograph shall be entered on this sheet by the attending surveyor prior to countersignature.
3:49
